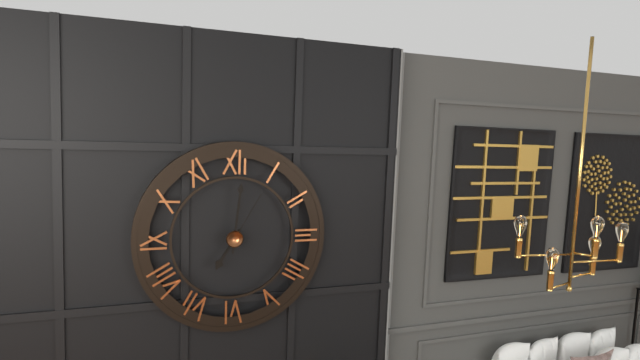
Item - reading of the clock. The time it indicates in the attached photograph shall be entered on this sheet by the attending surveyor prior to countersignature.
7:01:05
